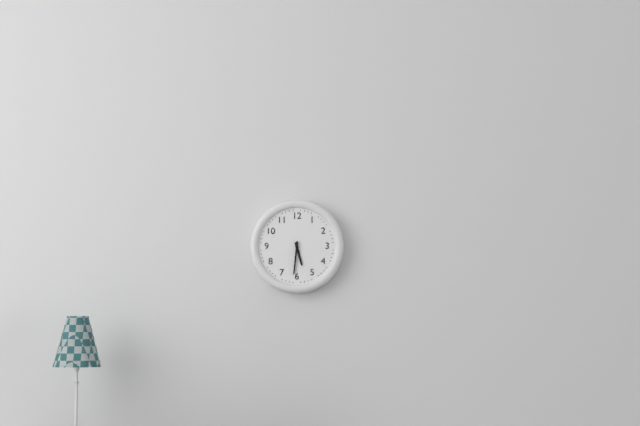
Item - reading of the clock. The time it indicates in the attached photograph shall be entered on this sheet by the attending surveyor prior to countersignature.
5:31
